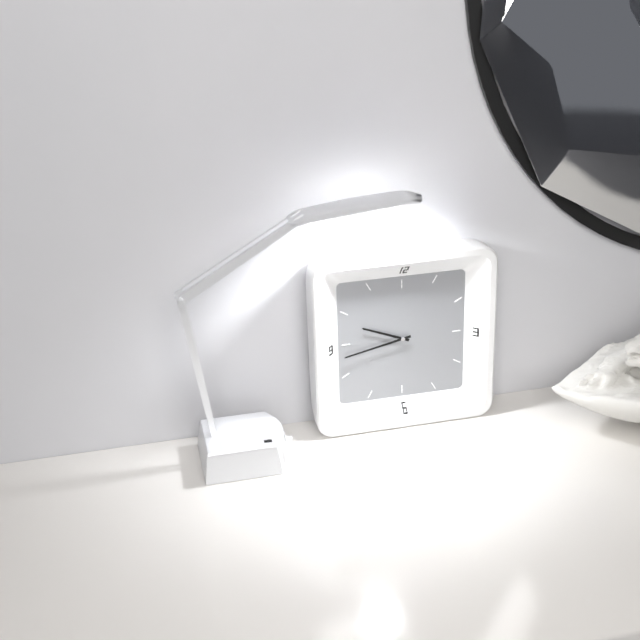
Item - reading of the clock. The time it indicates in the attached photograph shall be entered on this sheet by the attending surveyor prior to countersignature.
9:43
